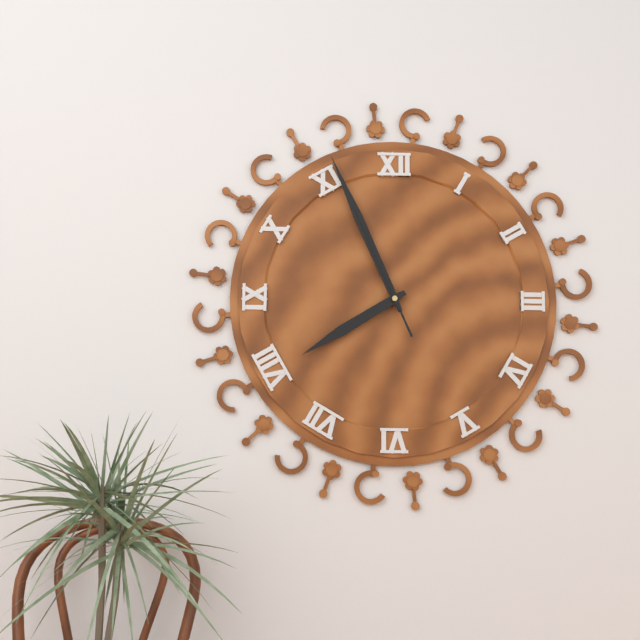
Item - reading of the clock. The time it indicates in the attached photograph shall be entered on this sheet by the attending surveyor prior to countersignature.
7:56:56
